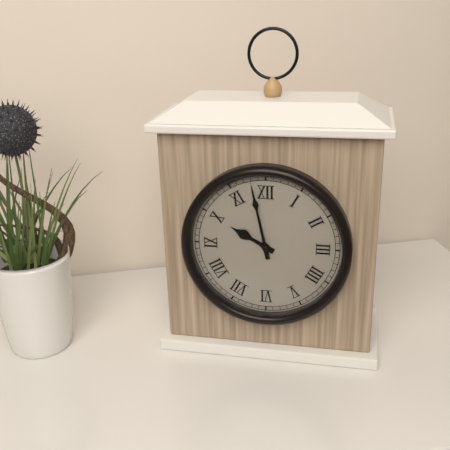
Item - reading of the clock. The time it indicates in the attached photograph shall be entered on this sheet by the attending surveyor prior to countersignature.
9:58
